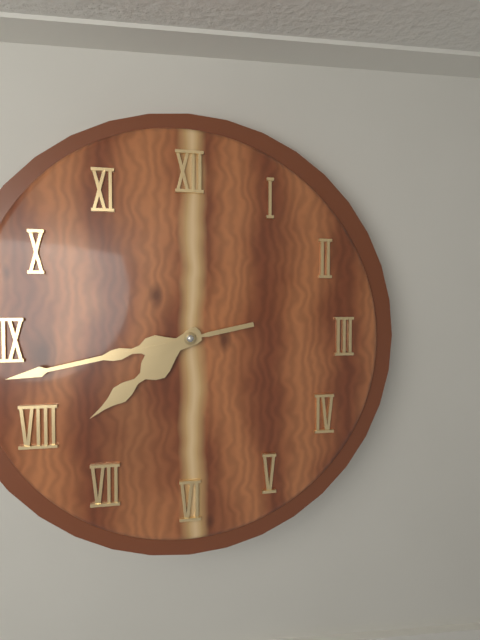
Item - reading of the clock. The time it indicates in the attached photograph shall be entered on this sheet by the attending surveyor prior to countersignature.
7:43:43
